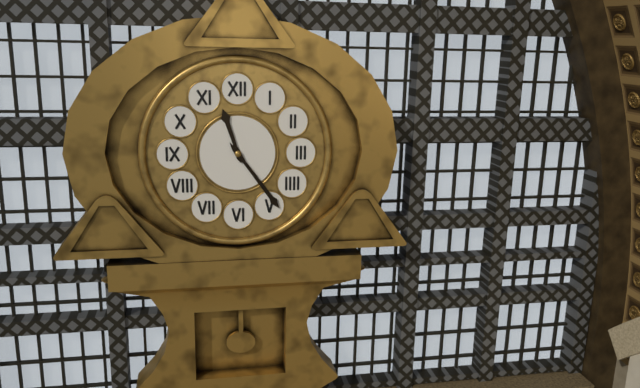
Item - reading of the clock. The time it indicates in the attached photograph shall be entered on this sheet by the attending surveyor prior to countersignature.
11:24
